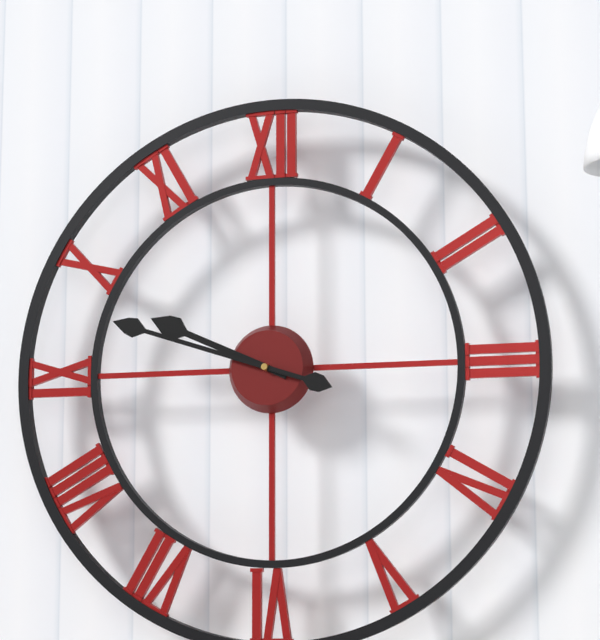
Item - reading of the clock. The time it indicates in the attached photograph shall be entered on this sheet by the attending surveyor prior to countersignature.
9:48
